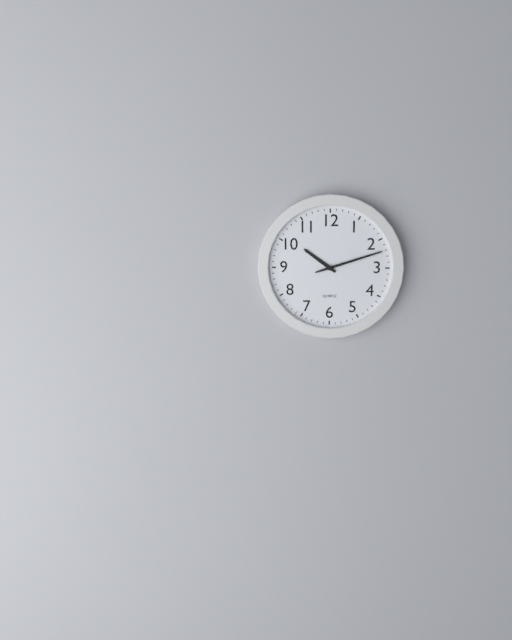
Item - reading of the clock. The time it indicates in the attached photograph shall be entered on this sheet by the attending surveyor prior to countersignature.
10:12
